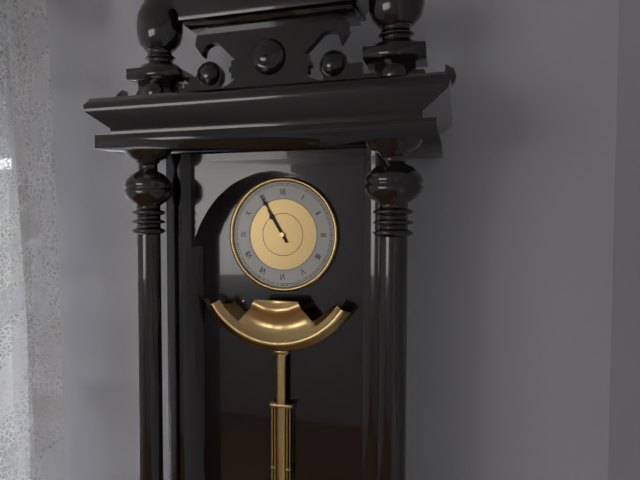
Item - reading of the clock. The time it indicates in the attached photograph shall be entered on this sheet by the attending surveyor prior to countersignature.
10:55
